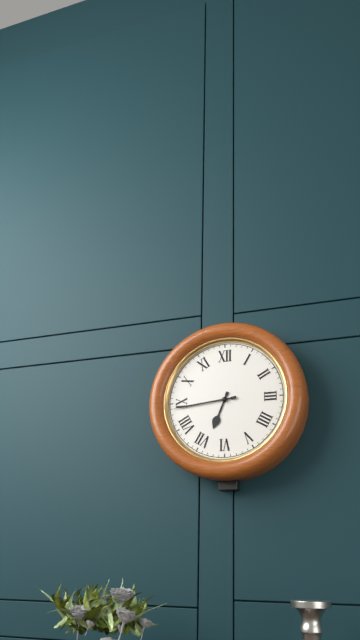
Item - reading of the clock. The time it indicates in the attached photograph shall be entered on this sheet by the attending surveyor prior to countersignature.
6:44
